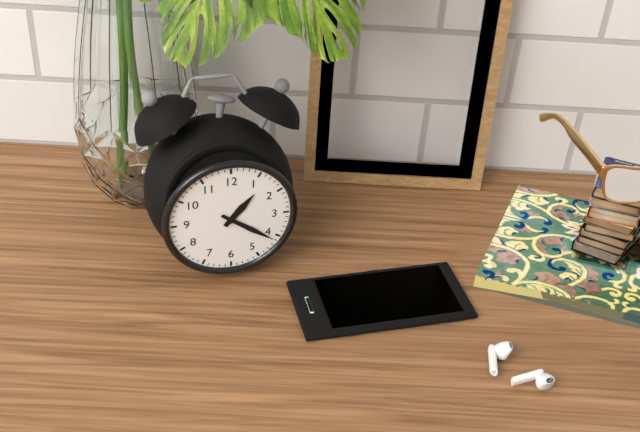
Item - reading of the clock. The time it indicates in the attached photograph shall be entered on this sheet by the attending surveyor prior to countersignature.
1:21
